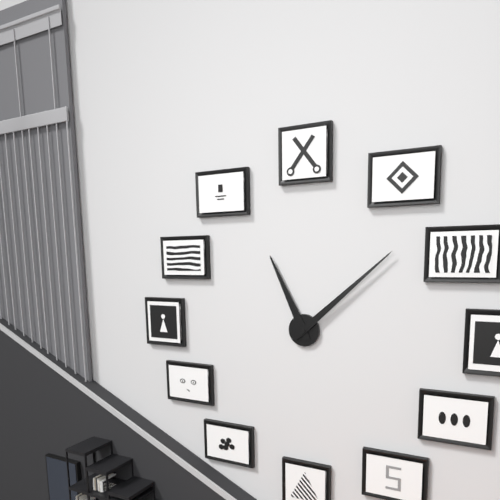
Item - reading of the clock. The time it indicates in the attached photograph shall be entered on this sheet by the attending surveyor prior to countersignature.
11:08
